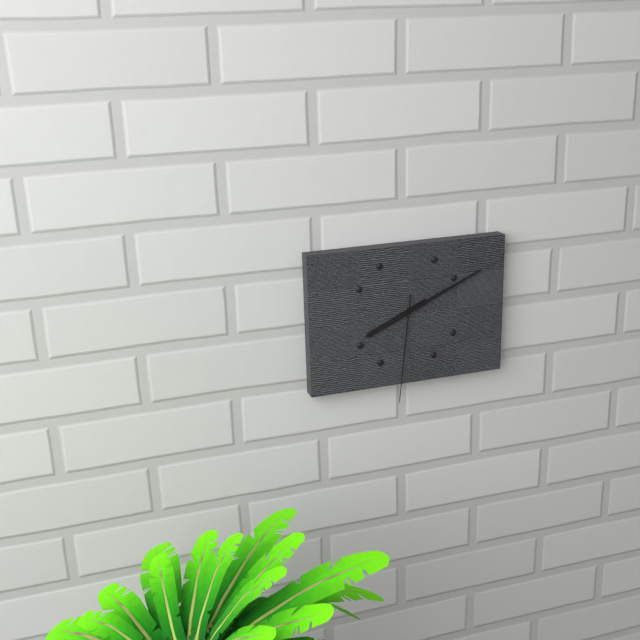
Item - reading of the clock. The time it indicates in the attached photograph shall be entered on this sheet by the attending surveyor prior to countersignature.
8:11:31
